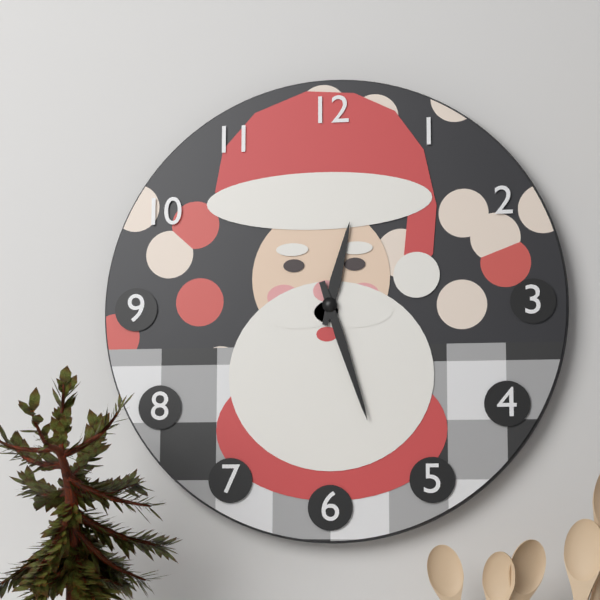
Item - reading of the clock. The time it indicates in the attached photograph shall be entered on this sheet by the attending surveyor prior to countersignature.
12:27
